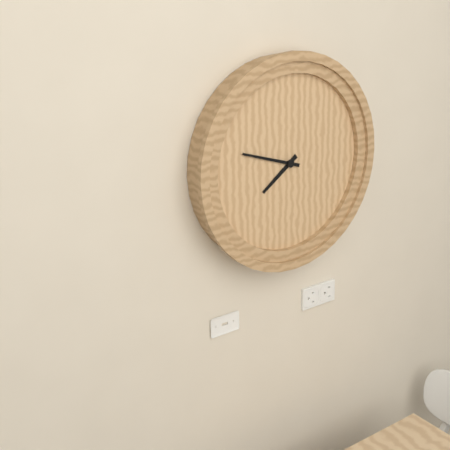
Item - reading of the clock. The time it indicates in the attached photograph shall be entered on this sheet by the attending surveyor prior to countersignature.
7:48
